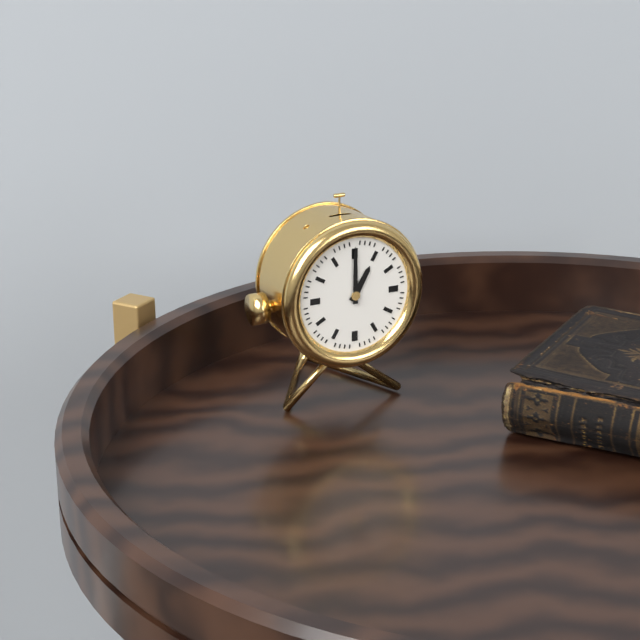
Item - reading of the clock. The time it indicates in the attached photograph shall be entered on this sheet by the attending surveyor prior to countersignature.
1:00
